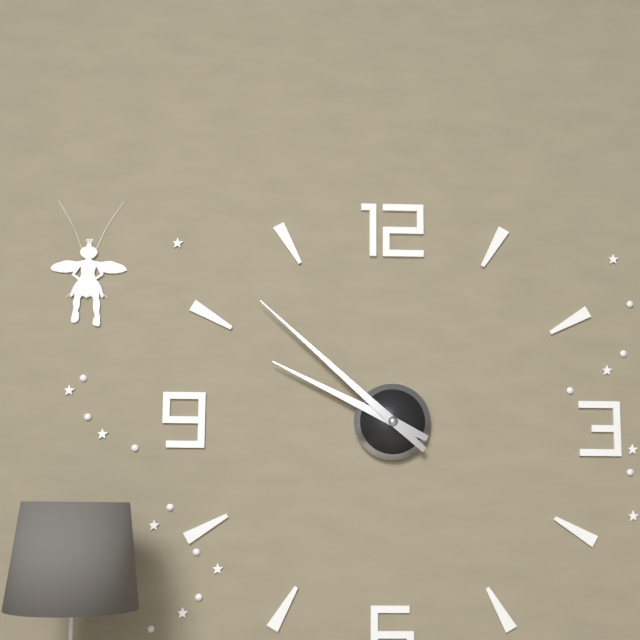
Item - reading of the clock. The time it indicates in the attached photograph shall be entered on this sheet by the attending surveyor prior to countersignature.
9:52
